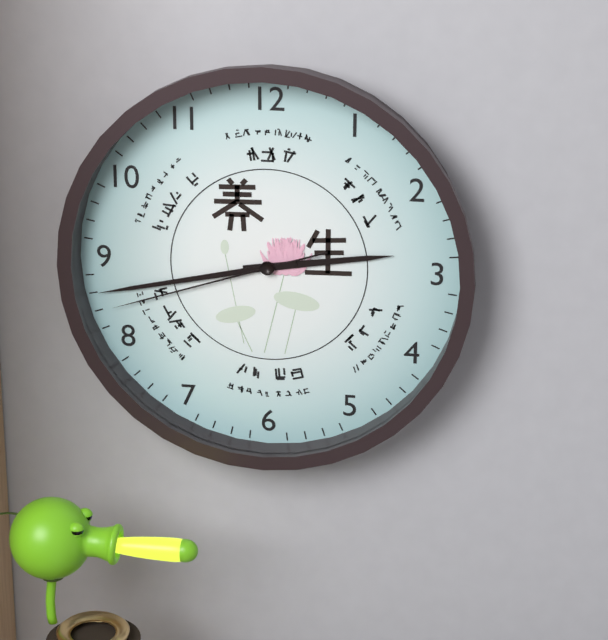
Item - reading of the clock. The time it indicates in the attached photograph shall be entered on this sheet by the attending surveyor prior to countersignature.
2:43:42
